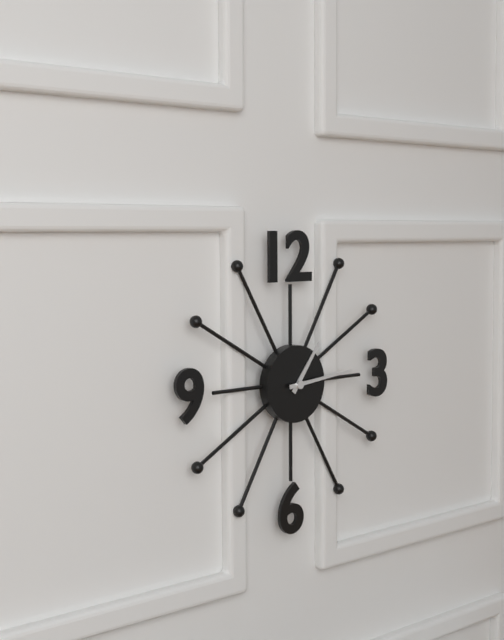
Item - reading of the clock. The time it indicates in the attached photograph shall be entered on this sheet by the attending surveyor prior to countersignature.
1:14
